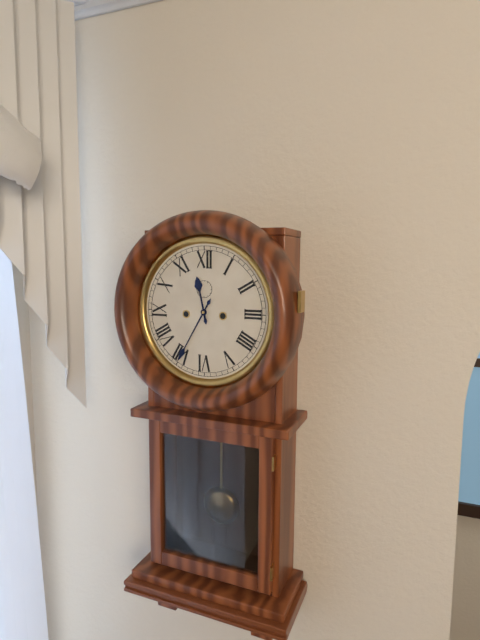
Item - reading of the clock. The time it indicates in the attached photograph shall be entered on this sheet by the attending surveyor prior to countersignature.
11:35
